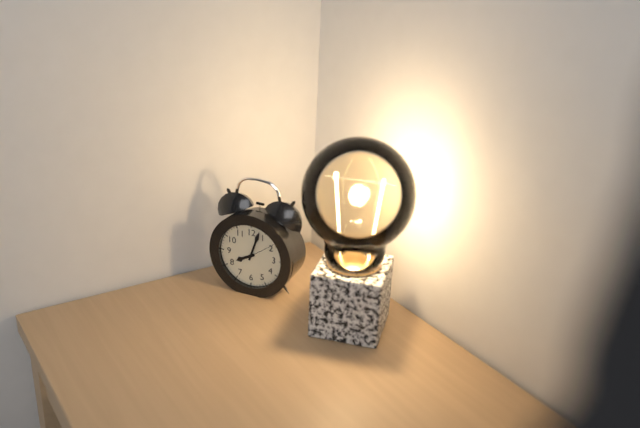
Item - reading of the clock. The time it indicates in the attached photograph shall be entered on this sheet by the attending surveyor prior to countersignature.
8:03
